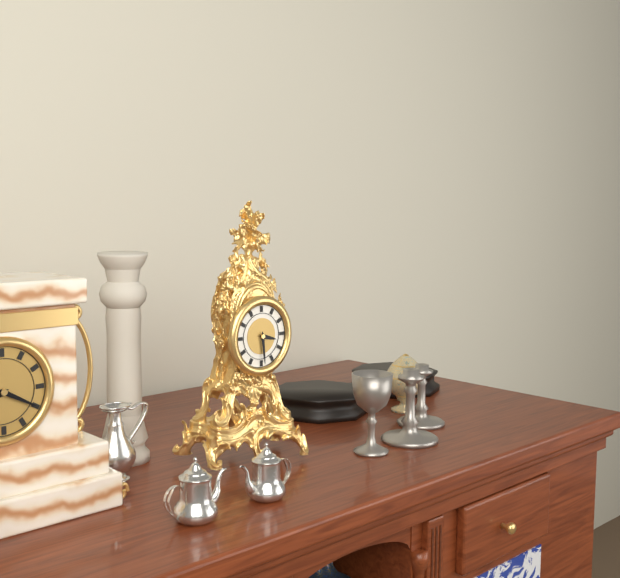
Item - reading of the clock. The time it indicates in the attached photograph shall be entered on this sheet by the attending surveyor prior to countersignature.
3:29
